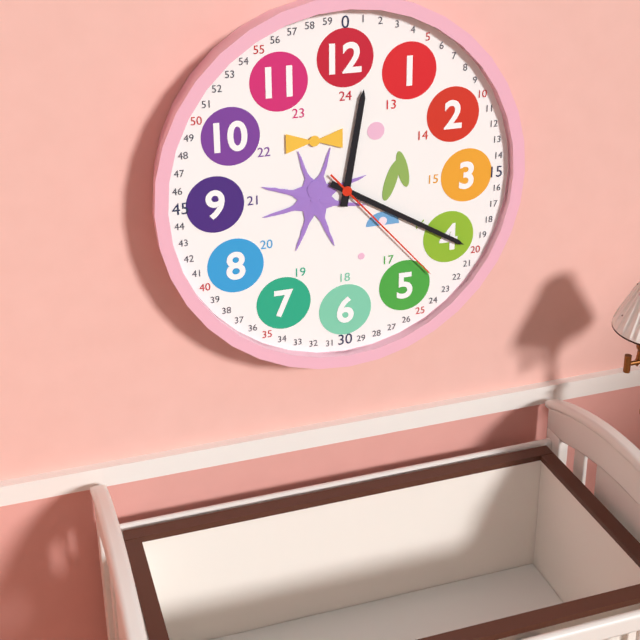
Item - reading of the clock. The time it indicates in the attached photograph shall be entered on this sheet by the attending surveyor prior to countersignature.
12:20:23
